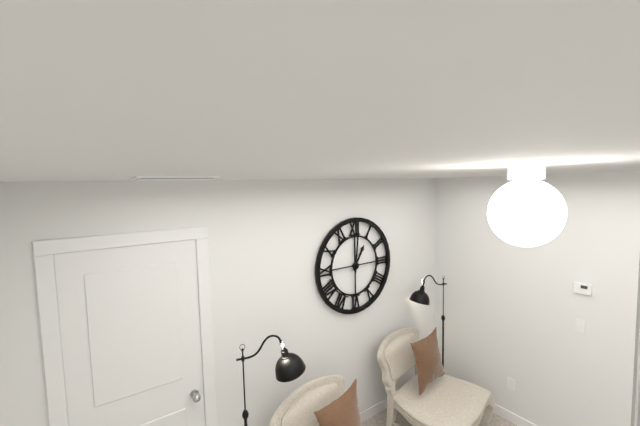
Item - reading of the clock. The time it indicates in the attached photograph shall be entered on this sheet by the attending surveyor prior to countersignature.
1:01
